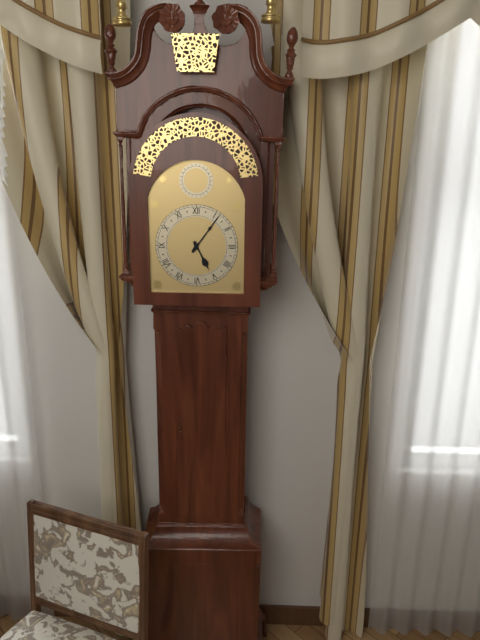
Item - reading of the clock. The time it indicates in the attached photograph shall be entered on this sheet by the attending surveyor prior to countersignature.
5:06
